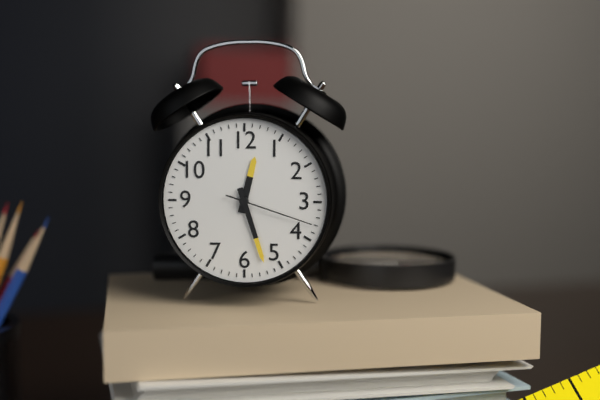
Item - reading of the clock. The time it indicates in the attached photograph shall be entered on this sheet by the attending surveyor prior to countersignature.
12:27:18
